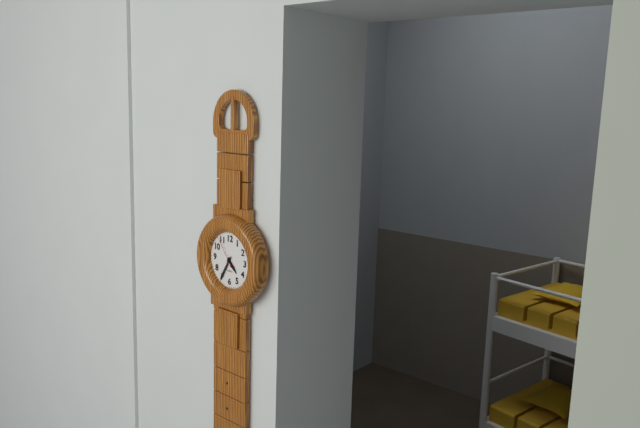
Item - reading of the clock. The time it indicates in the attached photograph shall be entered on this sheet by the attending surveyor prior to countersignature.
4:35
